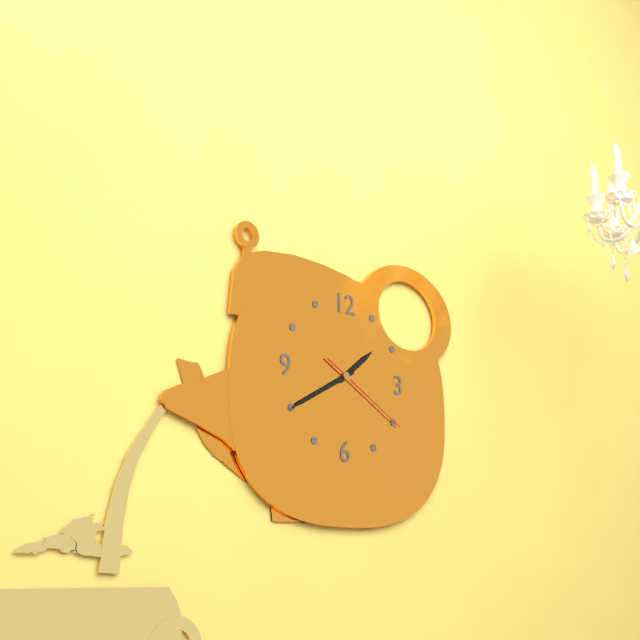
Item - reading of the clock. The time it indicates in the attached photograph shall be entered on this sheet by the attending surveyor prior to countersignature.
1:40:20
